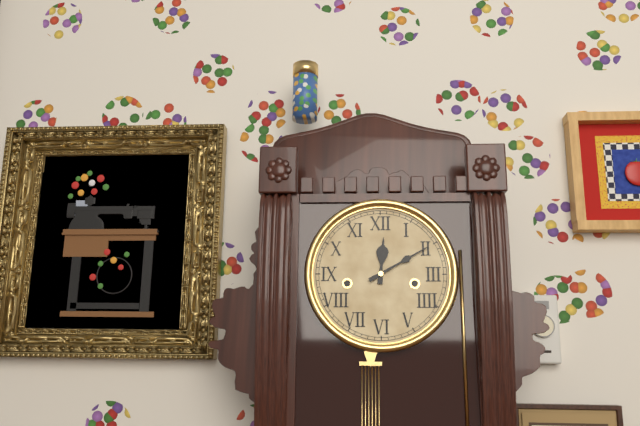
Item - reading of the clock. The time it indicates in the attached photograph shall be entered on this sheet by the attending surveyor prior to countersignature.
12:10
